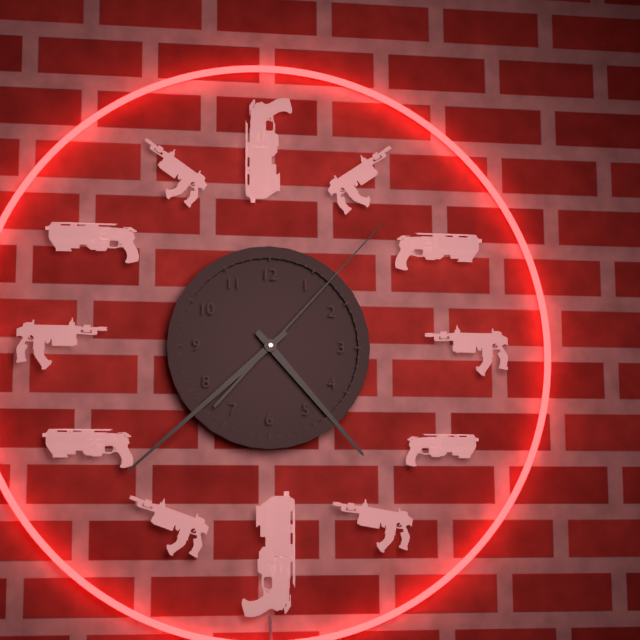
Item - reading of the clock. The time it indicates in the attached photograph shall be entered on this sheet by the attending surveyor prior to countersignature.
4:38:07
